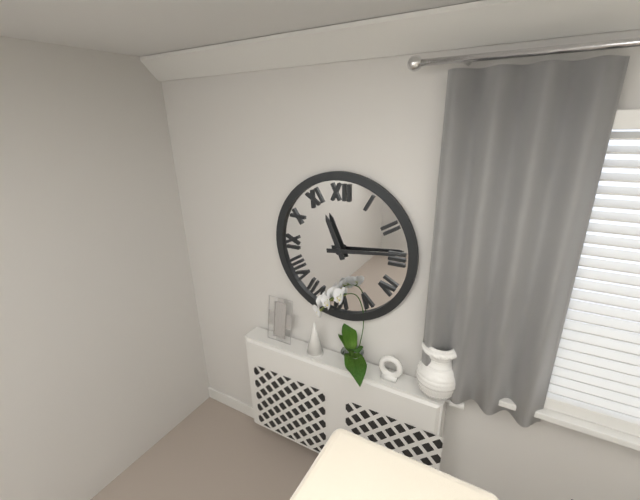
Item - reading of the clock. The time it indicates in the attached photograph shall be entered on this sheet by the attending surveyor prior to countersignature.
11:14
